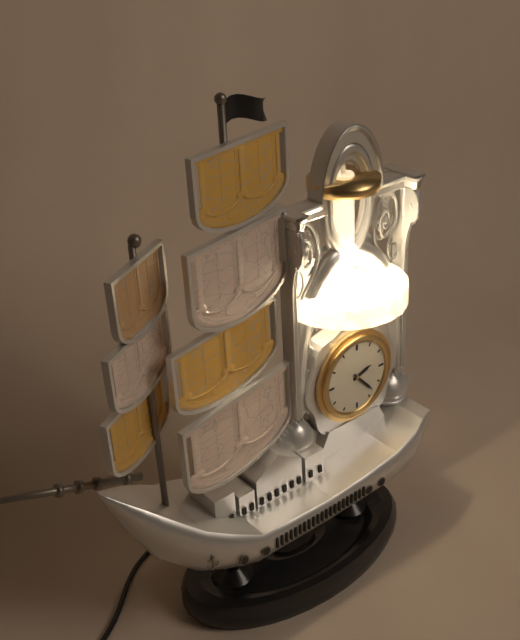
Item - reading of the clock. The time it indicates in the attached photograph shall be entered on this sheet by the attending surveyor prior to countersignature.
2:23
